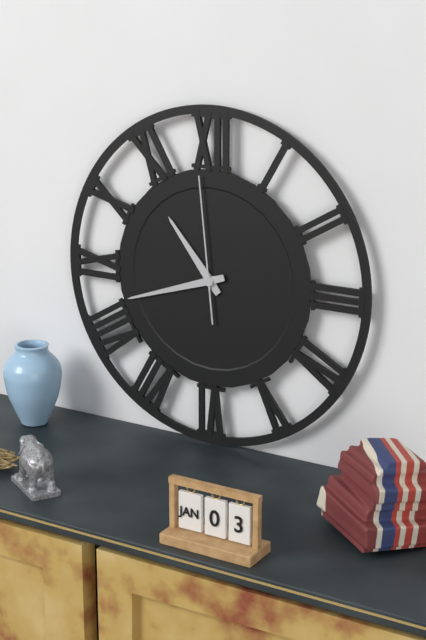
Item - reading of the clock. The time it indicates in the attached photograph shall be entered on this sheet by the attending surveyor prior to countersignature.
10:42:59
